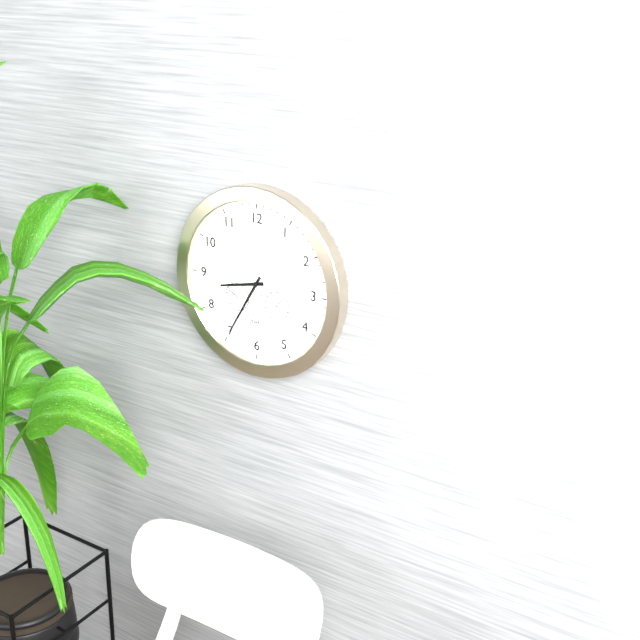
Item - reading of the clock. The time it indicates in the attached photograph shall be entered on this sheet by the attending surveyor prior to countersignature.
8:35:54
